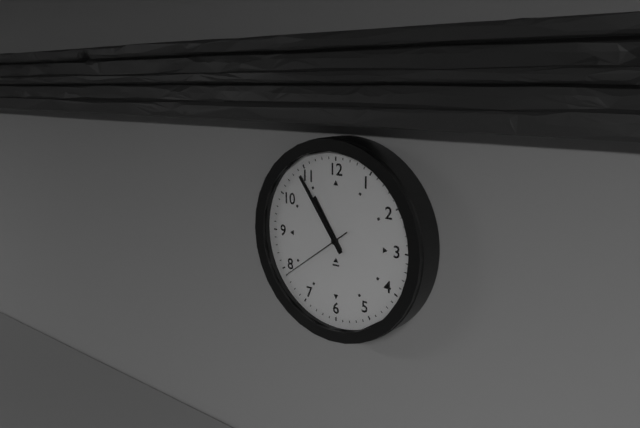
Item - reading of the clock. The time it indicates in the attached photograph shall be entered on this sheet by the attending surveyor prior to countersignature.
10:54:39
